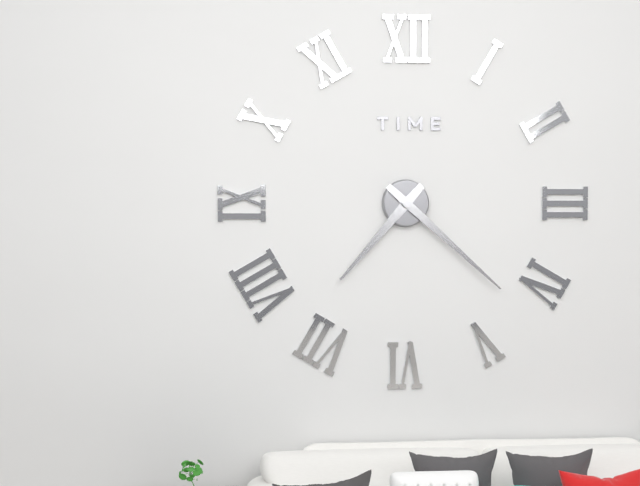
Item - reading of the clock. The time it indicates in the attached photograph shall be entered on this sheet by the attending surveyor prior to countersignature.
7:22
